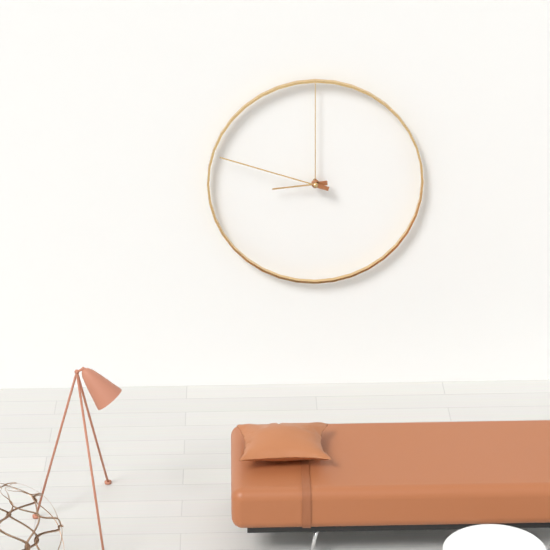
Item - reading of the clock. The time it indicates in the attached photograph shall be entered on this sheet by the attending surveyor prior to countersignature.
8:48
